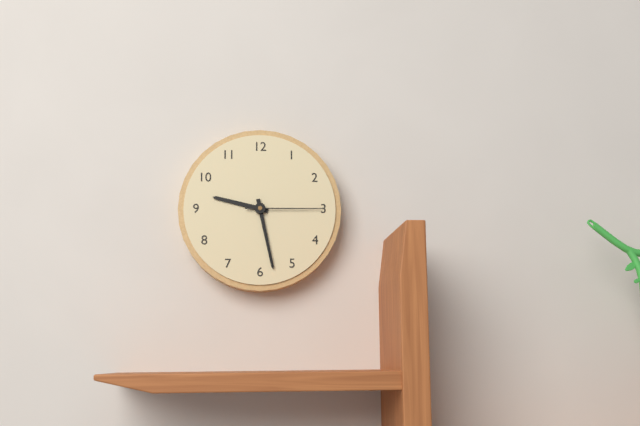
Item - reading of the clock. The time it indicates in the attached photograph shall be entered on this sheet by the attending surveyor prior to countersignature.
9:28:15
